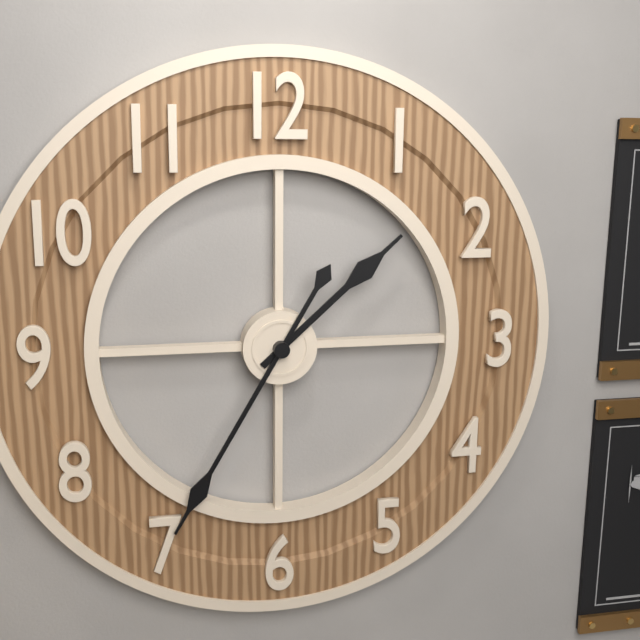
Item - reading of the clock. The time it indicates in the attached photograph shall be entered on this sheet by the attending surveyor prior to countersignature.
1:35
